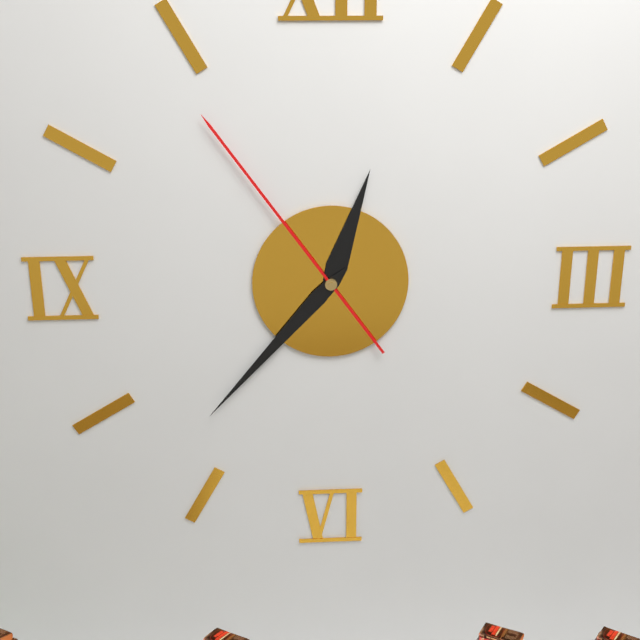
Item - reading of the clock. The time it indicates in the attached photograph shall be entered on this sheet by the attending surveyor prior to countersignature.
12:37:54
